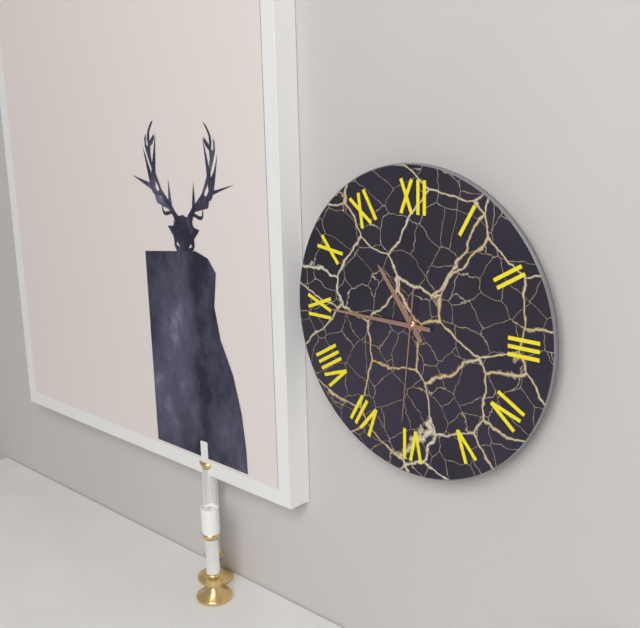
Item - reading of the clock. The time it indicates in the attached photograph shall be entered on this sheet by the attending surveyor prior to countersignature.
10:45:31
